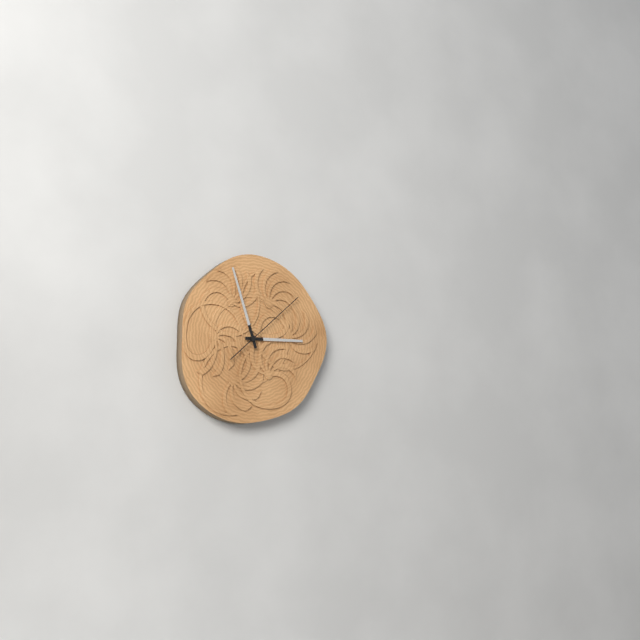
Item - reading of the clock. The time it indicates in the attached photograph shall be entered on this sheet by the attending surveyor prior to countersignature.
2:57:08
